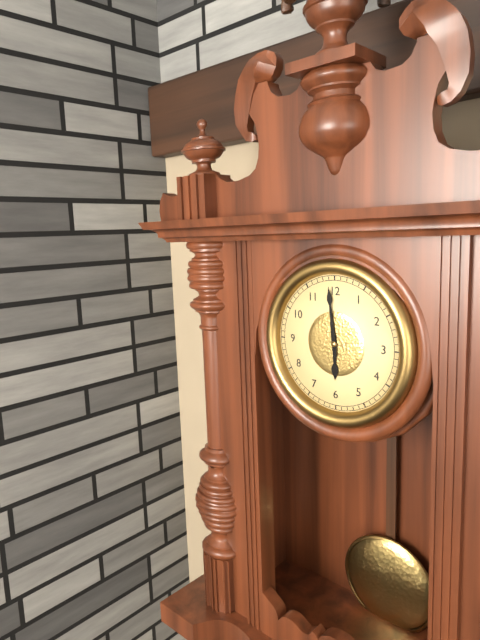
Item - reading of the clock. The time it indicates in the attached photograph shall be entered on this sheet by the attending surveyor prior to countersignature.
5:59
